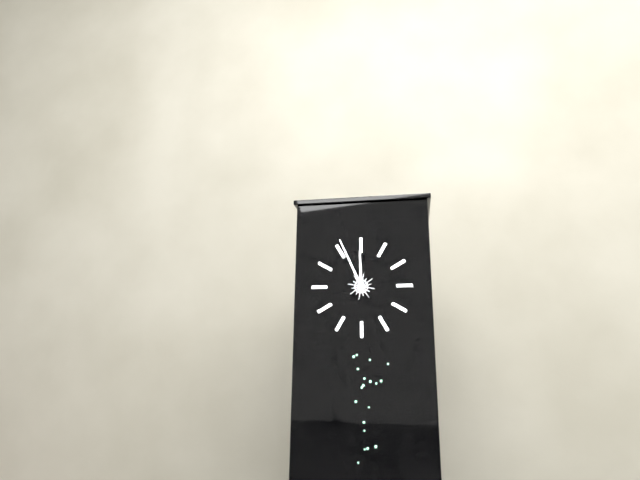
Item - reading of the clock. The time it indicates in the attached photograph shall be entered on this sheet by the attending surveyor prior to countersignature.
11:56
